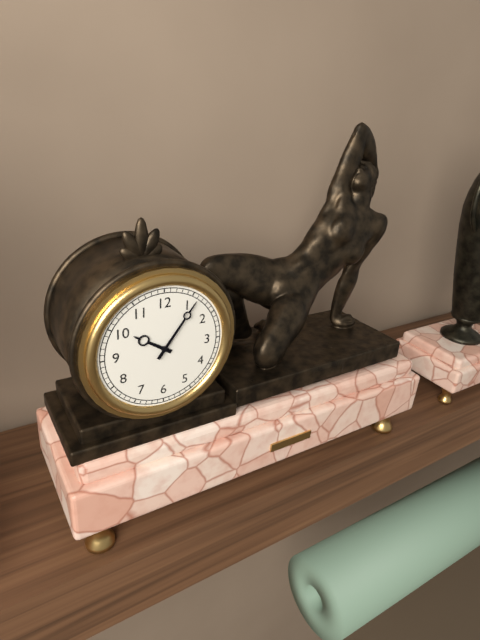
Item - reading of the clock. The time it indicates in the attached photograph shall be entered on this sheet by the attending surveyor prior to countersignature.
10:06
